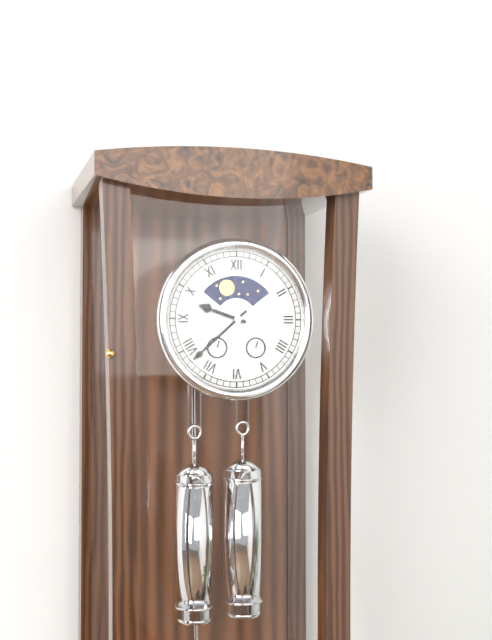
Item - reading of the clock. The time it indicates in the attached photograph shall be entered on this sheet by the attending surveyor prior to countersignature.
9:38
